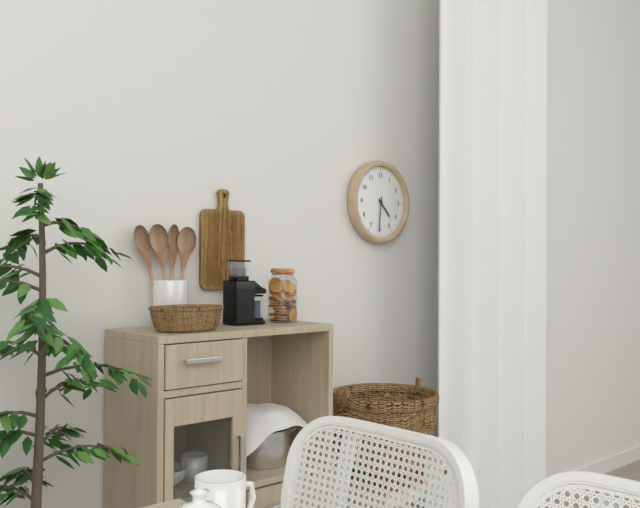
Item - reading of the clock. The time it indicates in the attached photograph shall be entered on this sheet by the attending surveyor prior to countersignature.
4:31
